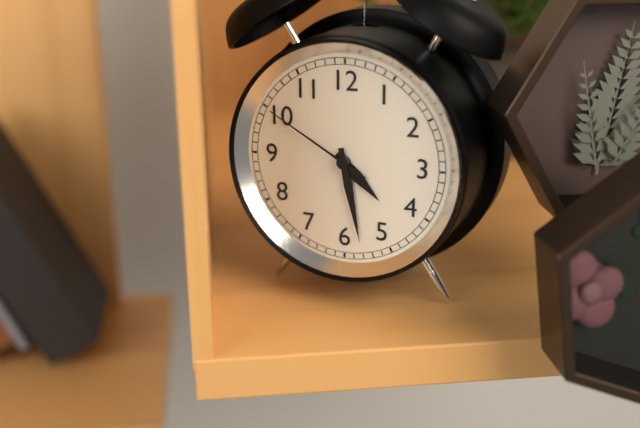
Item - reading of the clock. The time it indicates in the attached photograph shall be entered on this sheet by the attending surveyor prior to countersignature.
4:28:50
